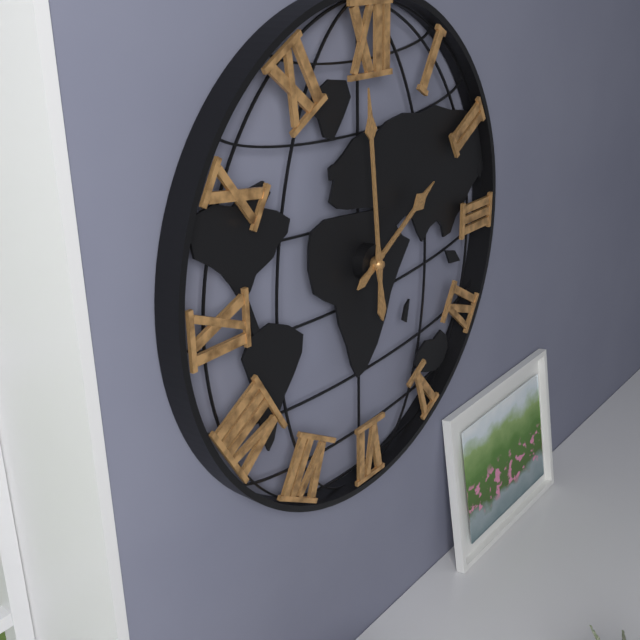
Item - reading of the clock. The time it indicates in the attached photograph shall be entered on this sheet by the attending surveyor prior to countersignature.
1:59
